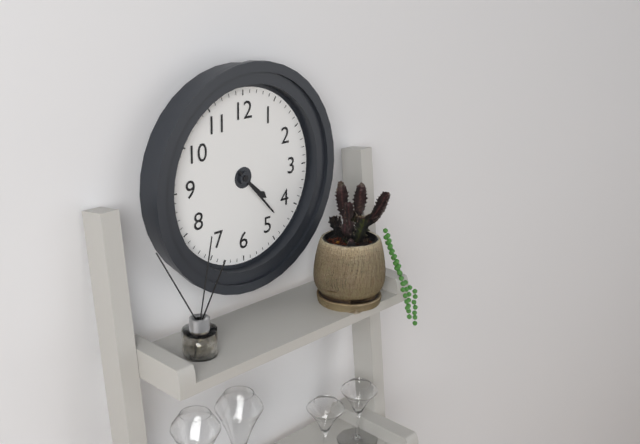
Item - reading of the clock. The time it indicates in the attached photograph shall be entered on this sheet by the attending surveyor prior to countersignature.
4:23
